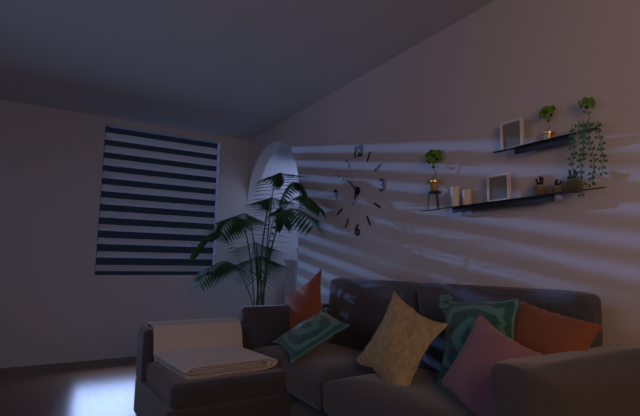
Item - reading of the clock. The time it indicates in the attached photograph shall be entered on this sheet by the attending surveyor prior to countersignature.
6:52
